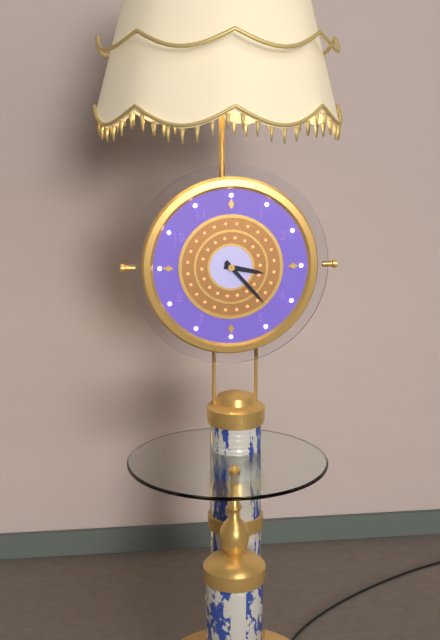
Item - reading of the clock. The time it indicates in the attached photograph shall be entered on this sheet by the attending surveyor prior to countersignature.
3:23
